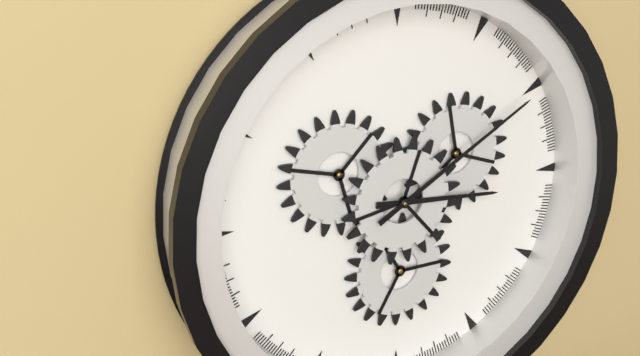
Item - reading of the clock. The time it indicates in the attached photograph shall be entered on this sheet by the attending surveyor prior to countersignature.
3:10
